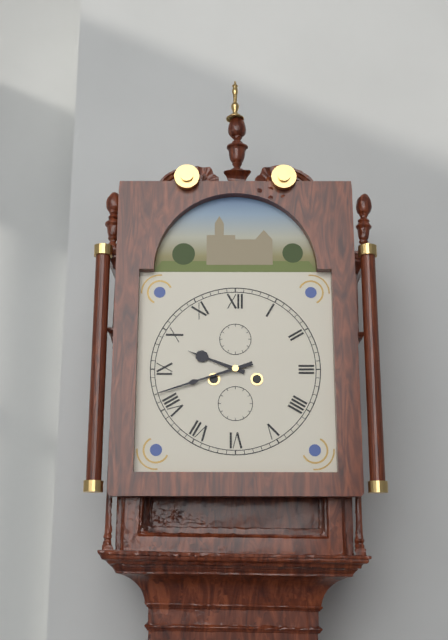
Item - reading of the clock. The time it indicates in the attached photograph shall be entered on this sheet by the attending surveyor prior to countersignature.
9:42
